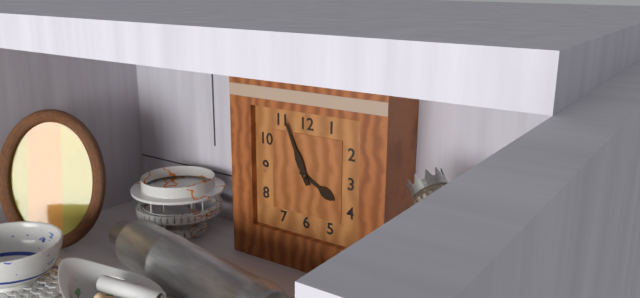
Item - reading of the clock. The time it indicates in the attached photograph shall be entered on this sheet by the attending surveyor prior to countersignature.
3:56
